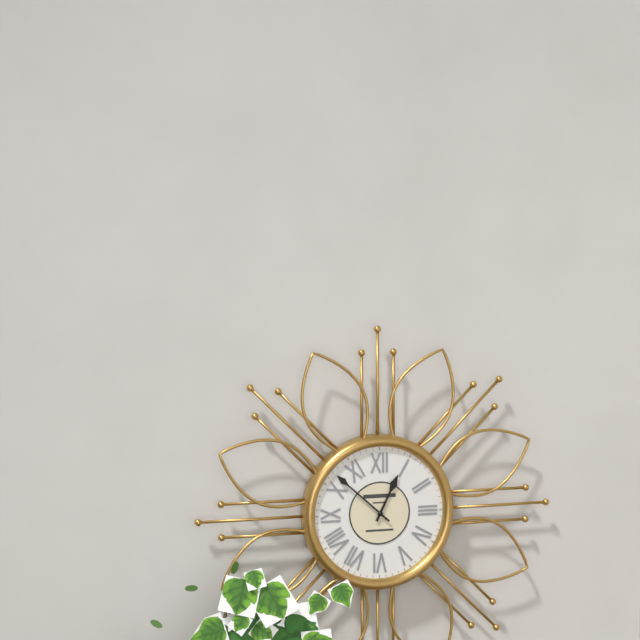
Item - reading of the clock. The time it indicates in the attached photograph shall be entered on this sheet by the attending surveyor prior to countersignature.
12:52
